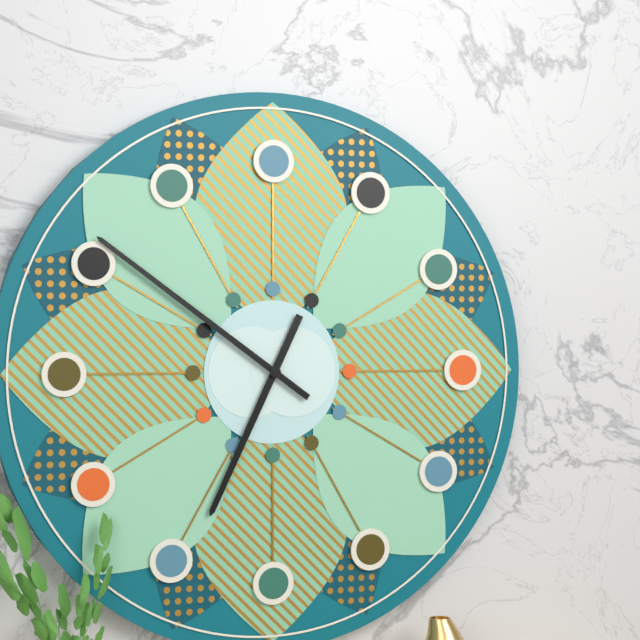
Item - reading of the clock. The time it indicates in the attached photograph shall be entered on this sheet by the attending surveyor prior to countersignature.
6:51
